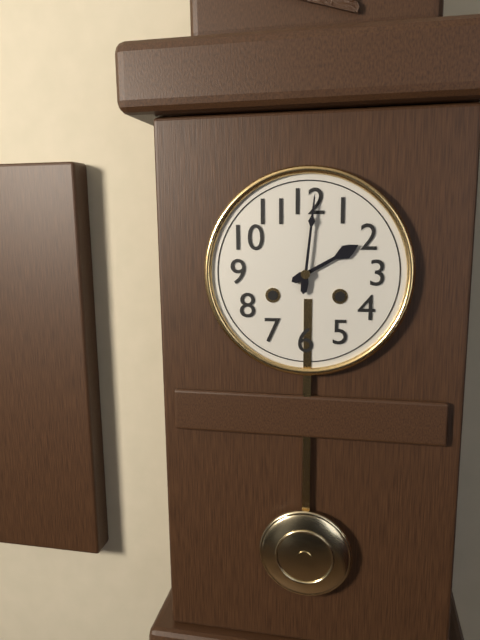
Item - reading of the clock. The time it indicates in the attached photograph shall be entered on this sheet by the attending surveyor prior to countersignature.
2:01
